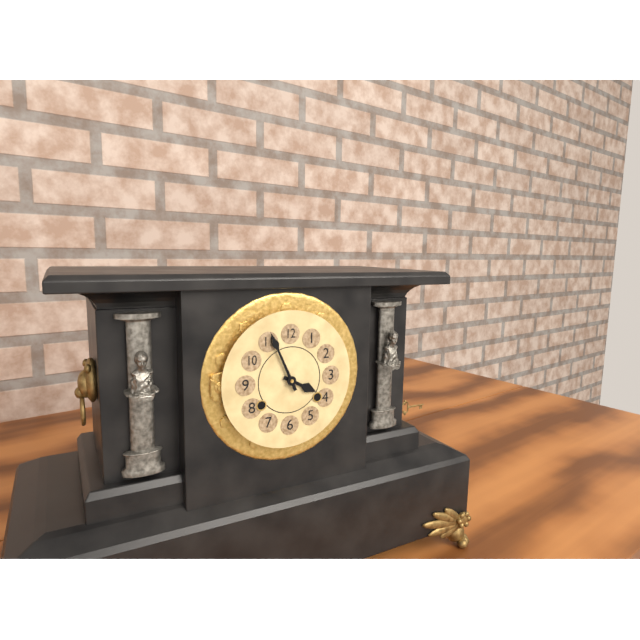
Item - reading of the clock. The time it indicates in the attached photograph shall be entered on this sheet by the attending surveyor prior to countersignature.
3:56
